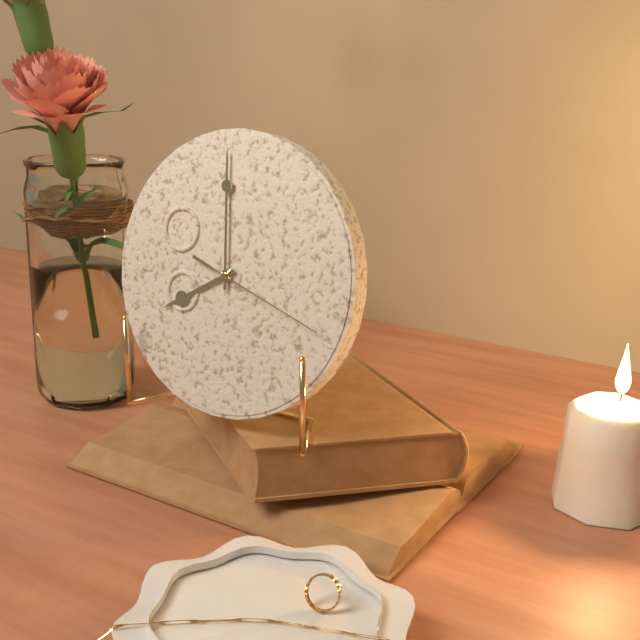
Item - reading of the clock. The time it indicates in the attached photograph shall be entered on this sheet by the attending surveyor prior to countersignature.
7:59:18
